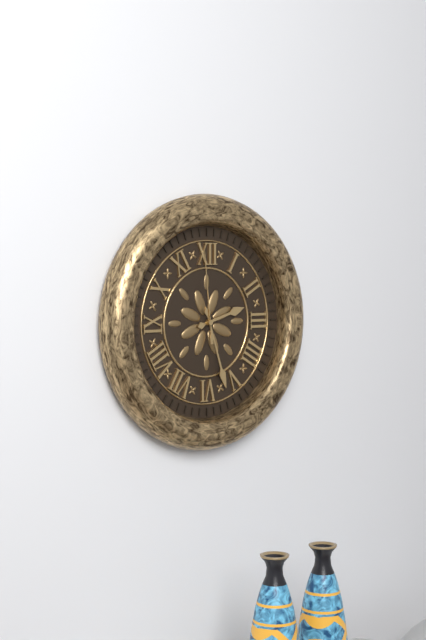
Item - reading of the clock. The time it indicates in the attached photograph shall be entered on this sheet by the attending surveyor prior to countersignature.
2:27:59
